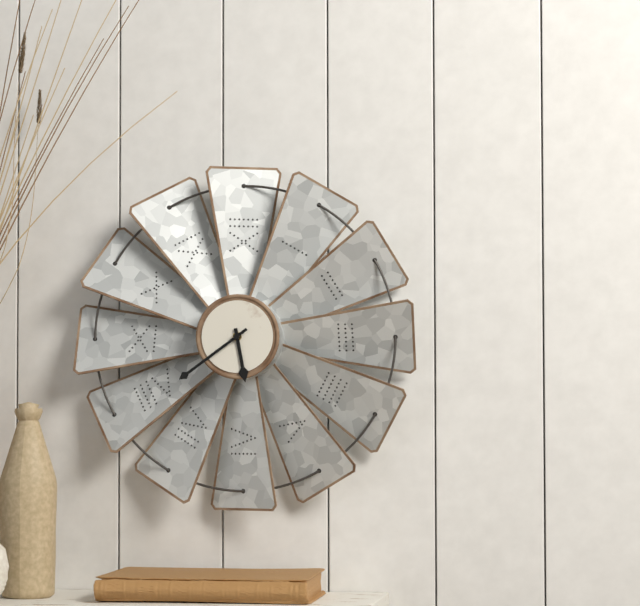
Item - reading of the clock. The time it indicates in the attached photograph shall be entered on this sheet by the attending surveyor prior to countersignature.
5:39
